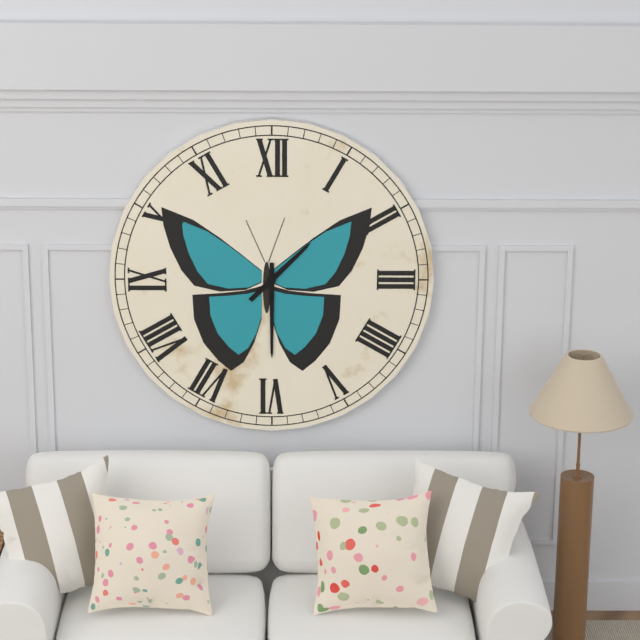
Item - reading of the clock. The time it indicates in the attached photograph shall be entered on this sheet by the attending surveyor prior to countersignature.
1:30
